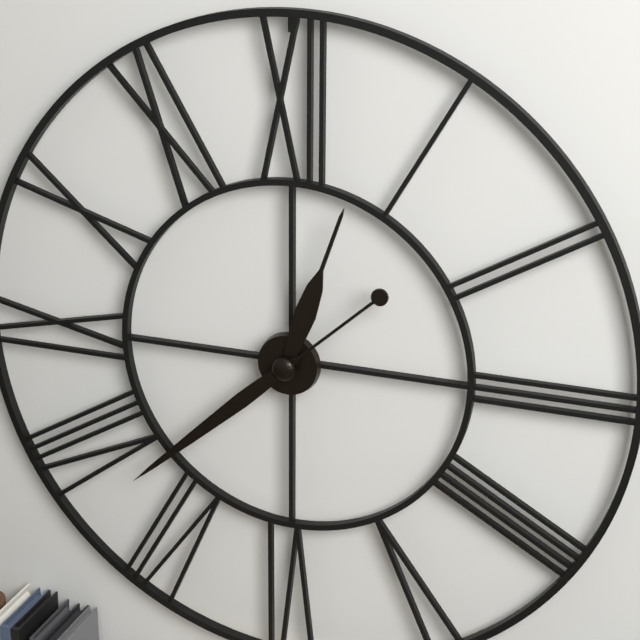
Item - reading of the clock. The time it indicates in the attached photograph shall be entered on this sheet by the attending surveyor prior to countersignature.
12:38
